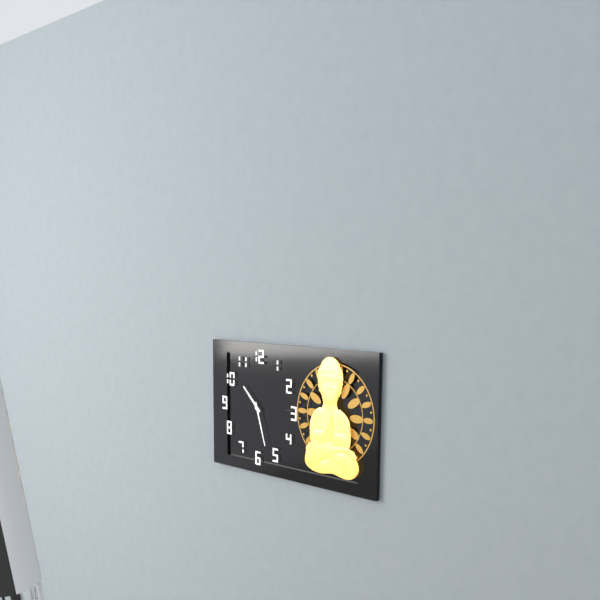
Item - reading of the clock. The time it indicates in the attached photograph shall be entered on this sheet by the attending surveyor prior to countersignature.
10:27
